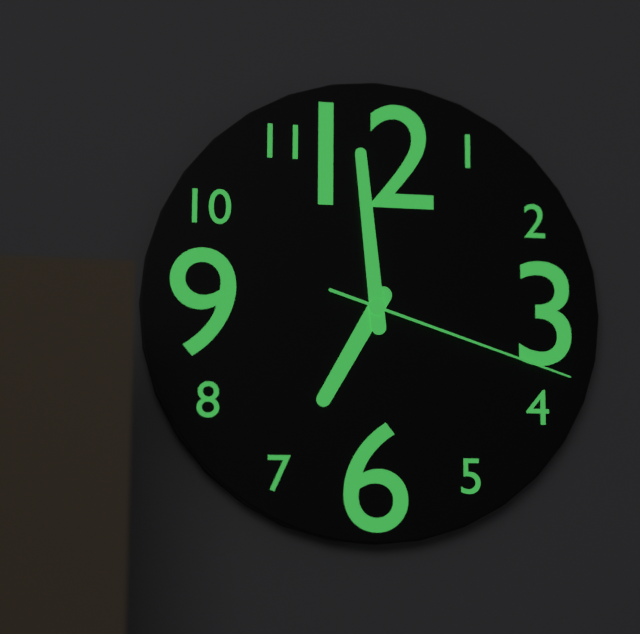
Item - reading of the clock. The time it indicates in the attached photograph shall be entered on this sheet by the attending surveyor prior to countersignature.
6:59:18
